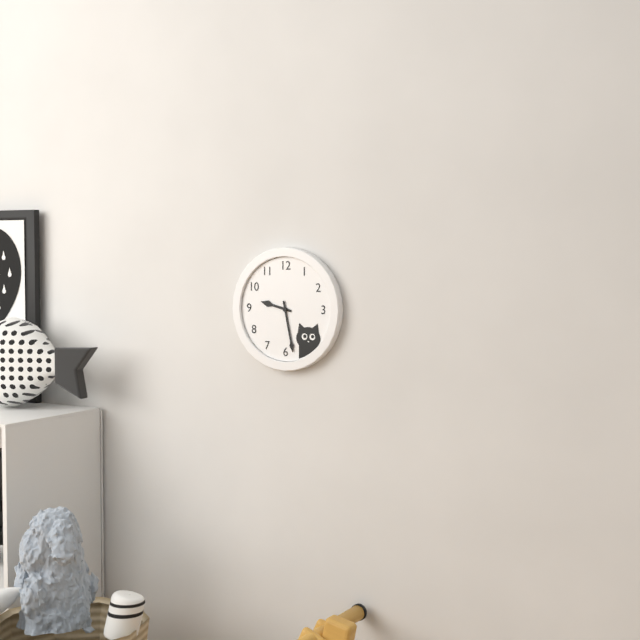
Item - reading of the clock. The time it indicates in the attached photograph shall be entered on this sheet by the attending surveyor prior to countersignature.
9:28
